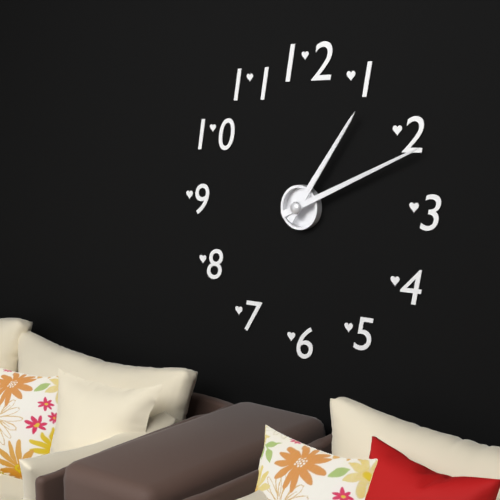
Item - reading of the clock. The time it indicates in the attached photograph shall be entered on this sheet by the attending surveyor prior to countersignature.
1:11
